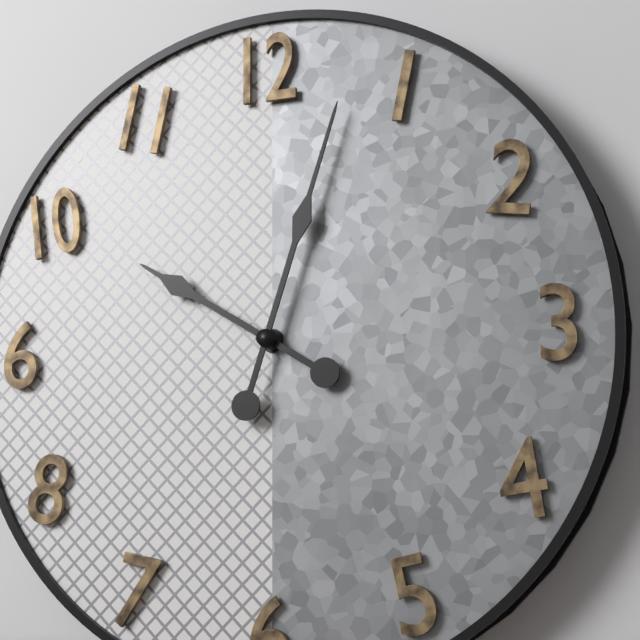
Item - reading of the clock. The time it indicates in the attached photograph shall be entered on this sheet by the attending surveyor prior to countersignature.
10:03
